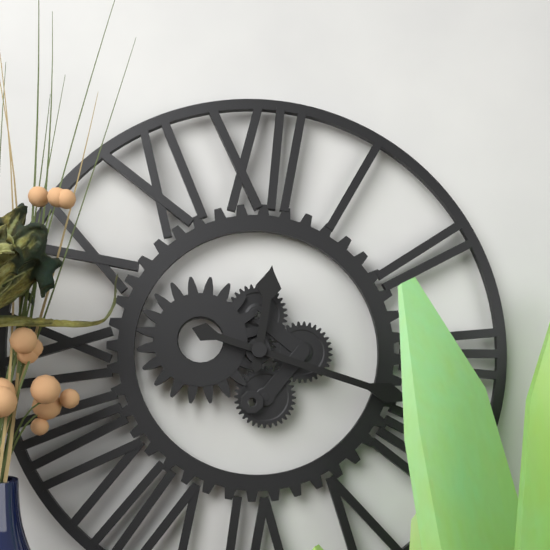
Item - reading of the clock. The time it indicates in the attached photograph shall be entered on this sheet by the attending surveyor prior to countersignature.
12:18
